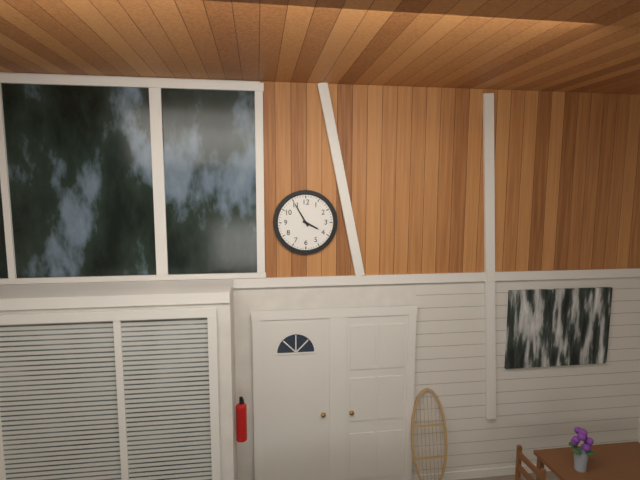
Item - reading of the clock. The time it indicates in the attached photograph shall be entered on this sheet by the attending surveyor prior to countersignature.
3:55
